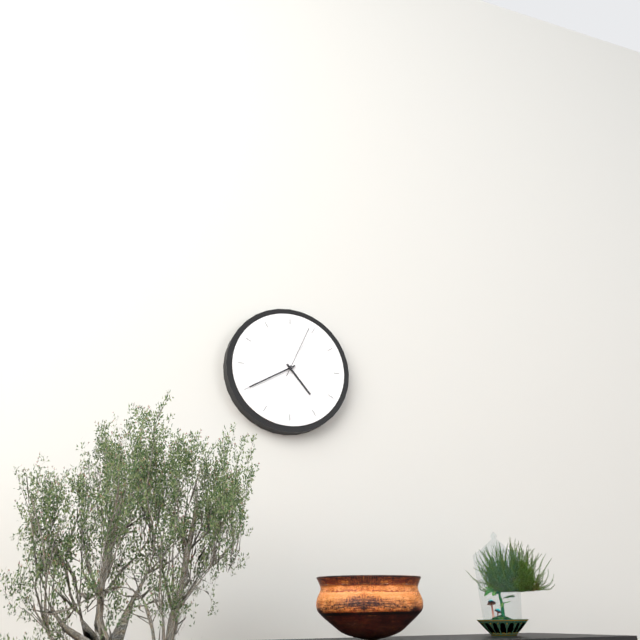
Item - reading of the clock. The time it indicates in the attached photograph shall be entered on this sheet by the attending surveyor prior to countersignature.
4:40:04
